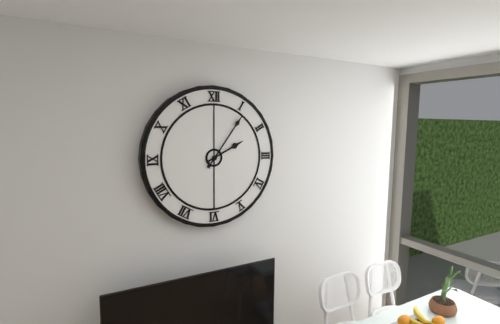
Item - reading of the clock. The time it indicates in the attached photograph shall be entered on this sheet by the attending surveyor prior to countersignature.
2:06
